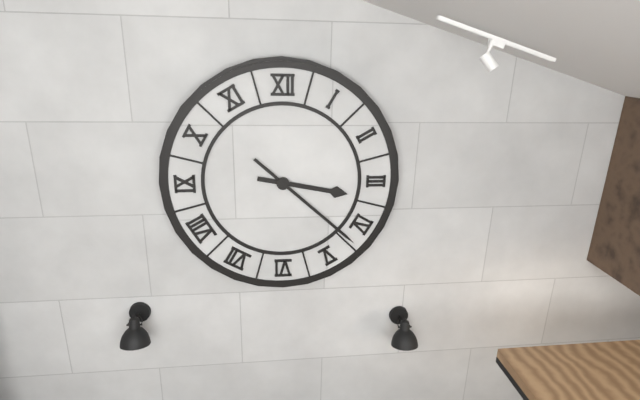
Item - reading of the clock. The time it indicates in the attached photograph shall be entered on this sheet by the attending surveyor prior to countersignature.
3:22
